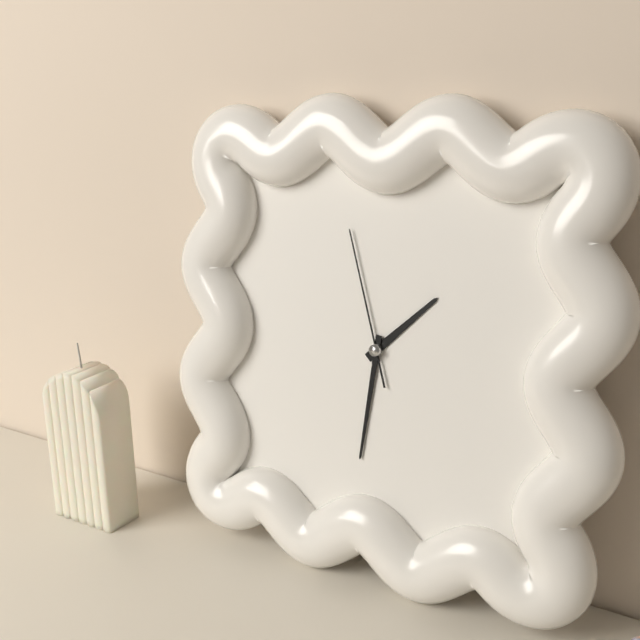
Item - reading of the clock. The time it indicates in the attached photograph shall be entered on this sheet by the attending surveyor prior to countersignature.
1:31:57
